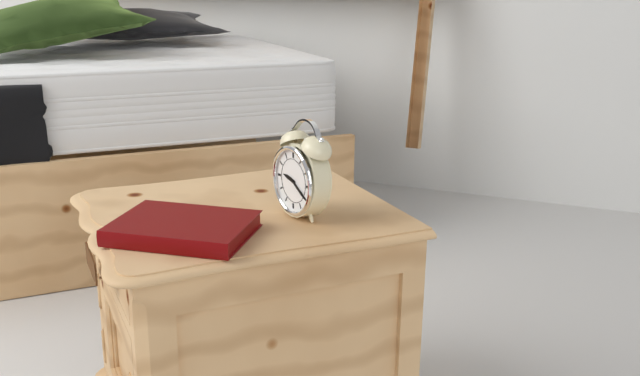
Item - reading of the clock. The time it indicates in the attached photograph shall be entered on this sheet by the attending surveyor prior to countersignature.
9:20
